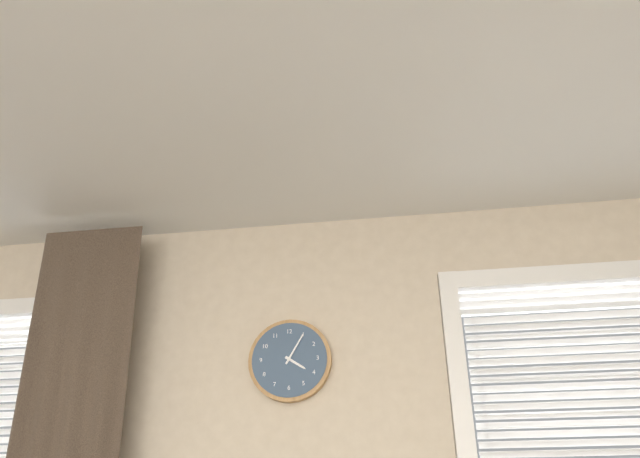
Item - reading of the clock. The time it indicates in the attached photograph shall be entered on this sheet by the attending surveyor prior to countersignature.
4:05
